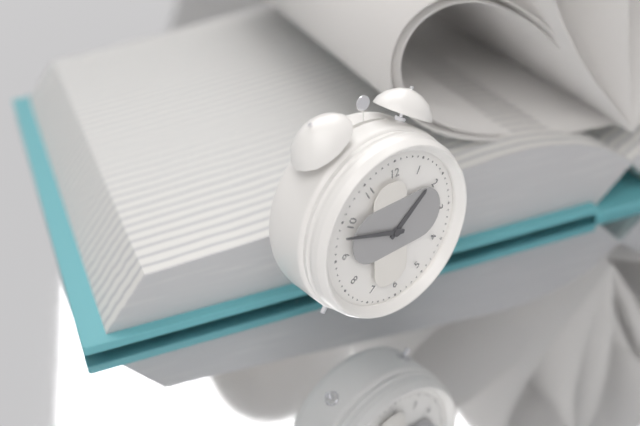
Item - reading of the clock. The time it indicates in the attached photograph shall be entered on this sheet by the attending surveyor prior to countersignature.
1:48
